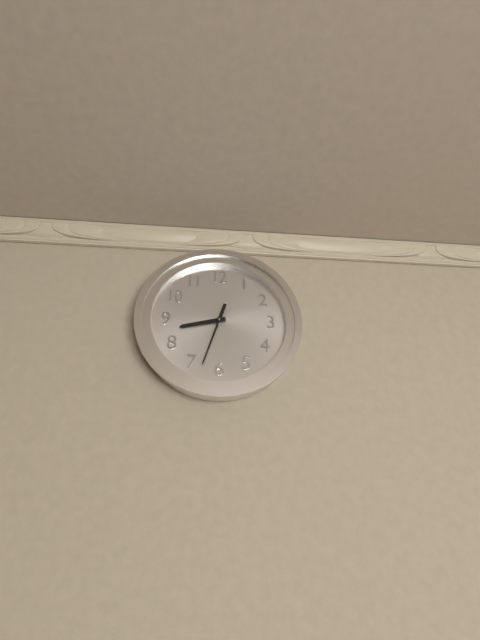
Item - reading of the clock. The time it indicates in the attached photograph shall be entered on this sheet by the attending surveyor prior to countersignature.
8:33
